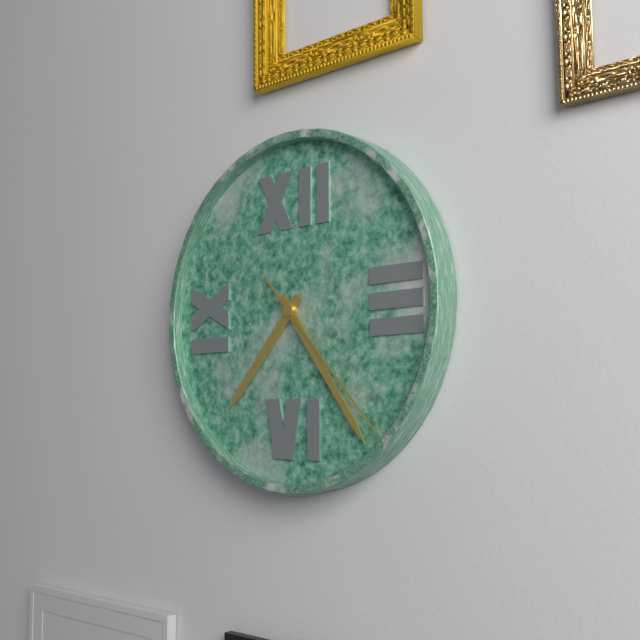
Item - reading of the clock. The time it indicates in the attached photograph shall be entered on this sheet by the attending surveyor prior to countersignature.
7:24:23
